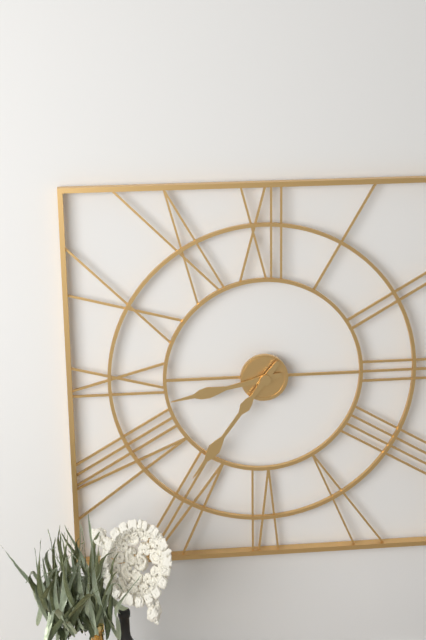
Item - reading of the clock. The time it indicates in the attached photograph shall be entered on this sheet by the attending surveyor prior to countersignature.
8:36
